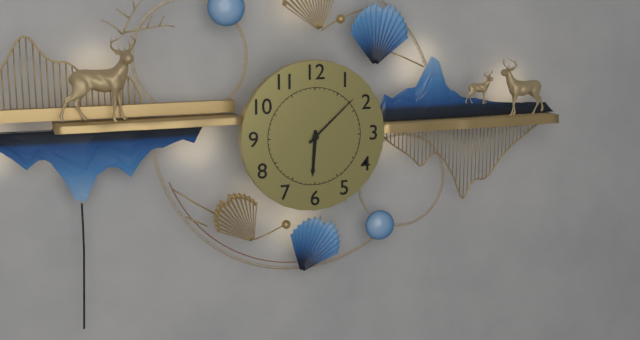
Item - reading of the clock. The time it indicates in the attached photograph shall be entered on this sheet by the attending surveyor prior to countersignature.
6:08
